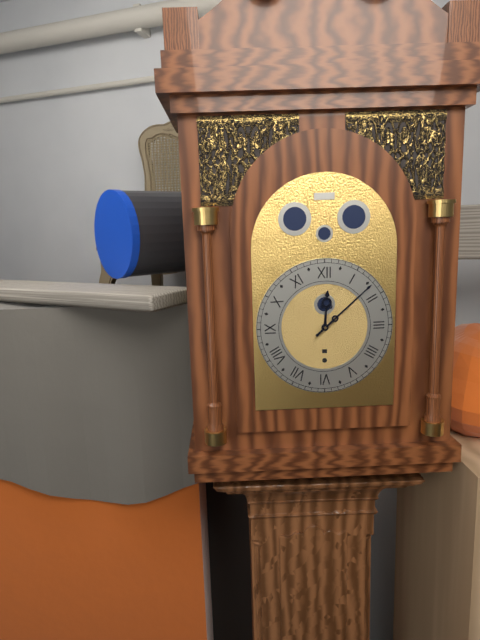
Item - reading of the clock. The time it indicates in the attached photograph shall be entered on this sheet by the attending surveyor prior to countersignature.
12:08
